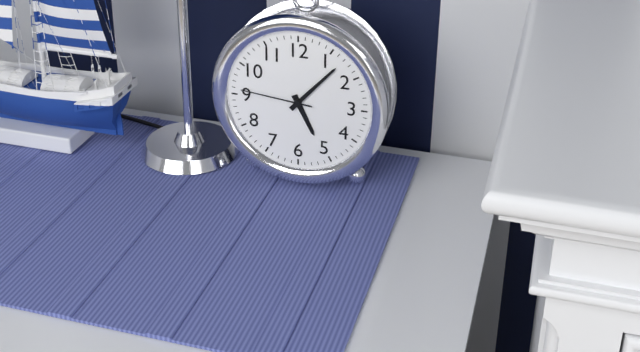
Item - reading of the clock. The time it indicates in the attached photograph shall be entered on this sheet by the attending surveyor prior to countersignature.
5:07:46
